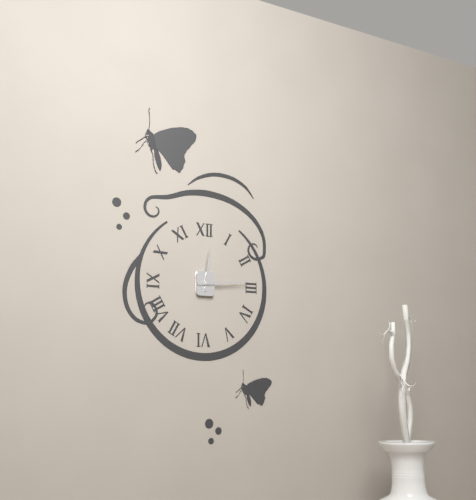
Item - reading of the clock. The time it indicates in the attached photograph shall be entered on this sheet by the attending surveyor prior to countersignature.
12:14
